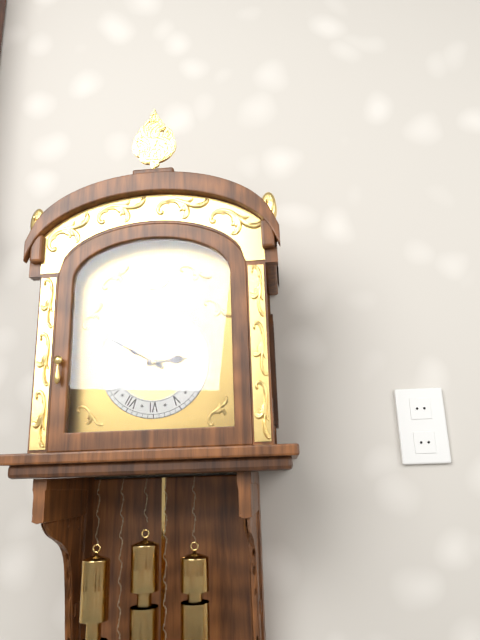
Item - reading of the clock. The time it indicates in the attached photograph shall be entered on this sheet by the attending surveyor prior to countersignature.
2:50
